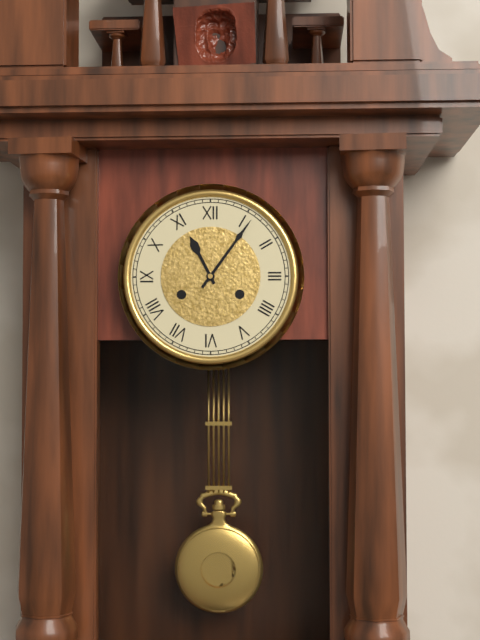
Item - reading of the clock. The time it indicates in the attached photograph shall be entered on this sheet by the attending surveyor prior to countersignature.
11:06
